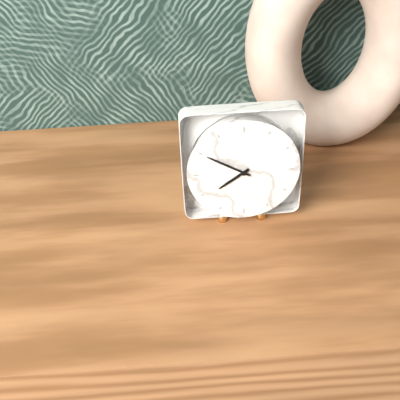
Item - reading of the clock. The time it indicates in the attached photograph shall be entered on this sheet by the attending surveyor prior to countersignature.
7:50
